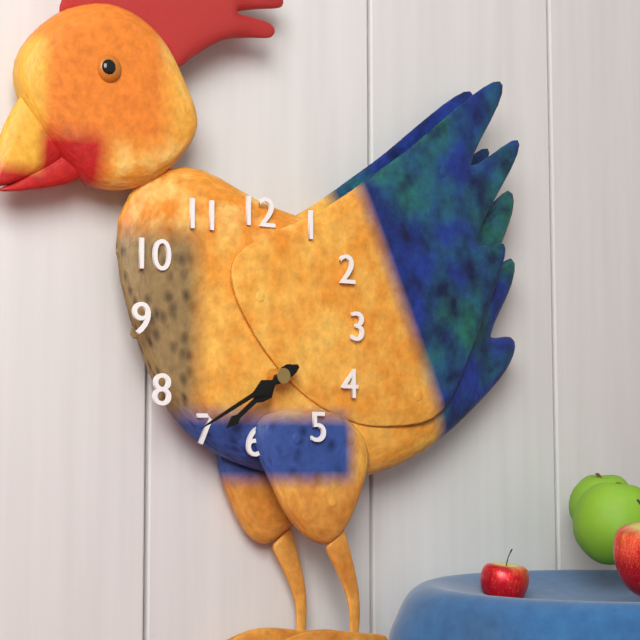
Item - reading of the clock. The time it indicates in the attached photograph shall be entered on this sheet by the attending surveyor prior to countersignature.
7:40
